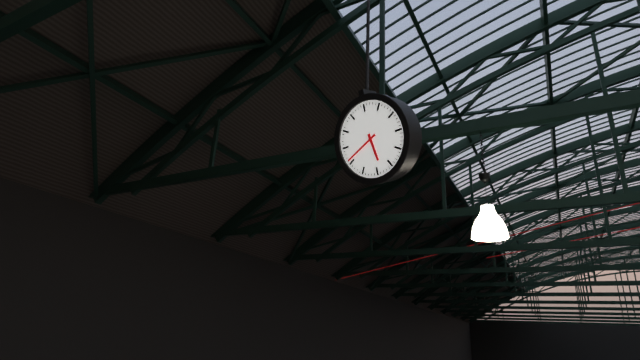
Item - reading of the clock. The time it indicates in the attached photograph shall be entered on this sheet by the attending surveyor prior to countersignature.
5:41
